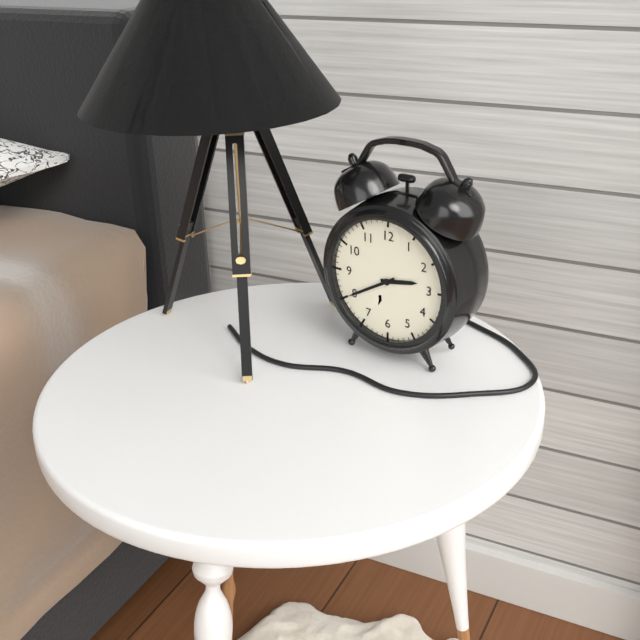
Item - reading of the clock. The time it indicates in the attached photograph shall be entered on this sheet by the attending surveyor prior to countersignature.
2:40
